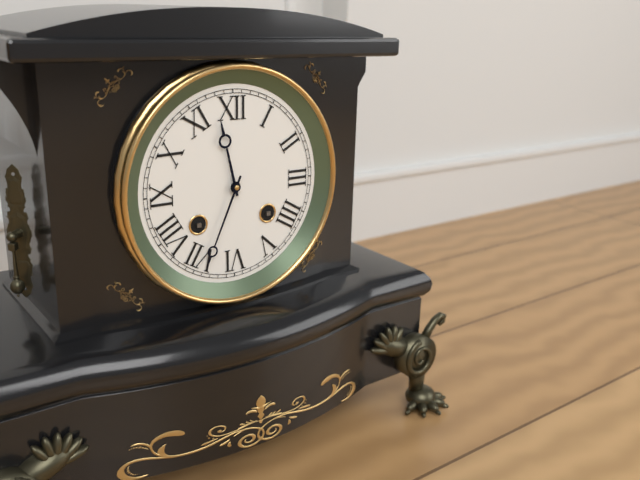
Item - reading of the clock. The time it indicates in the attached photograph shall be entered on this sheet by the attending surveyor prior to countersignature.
11:34
